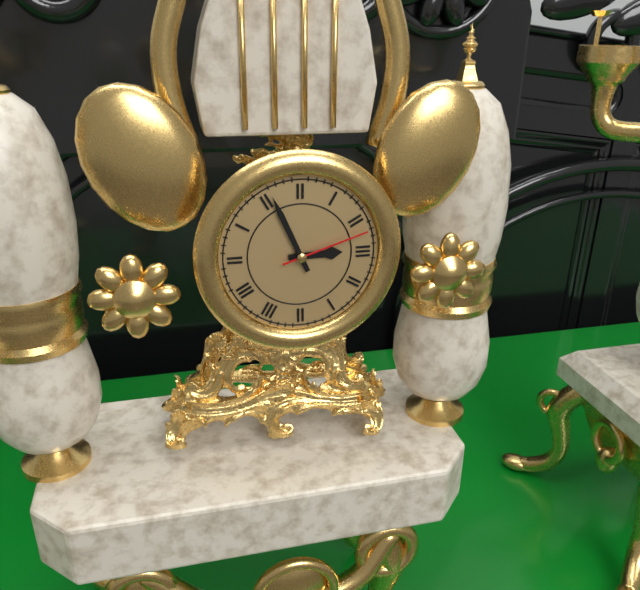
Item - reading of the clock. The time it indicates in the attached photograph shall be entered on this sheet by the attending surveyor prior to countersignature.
2:56:12
